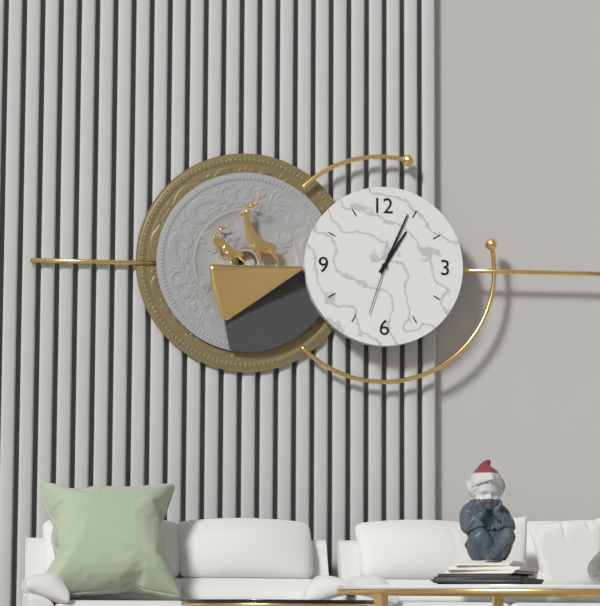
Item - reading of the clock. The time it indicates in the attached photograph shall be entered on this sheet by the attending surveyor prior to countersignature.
1:04:33
